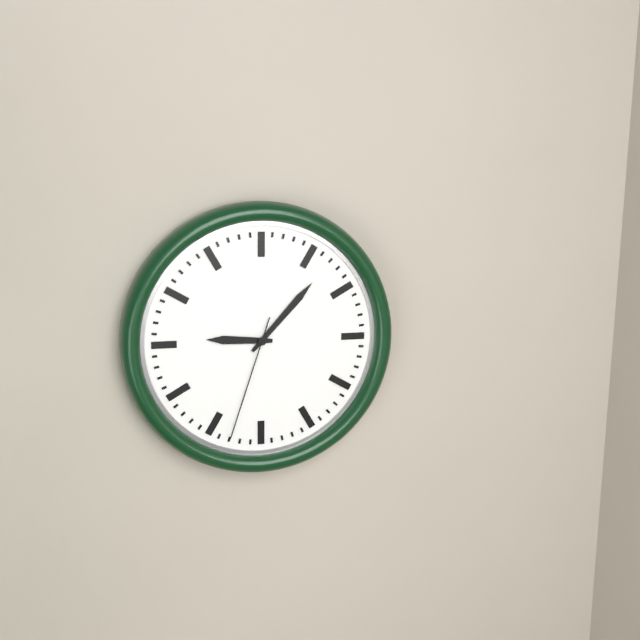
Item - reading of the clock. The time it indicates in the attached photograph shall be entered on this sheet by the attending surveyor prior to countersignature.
9:07:33
